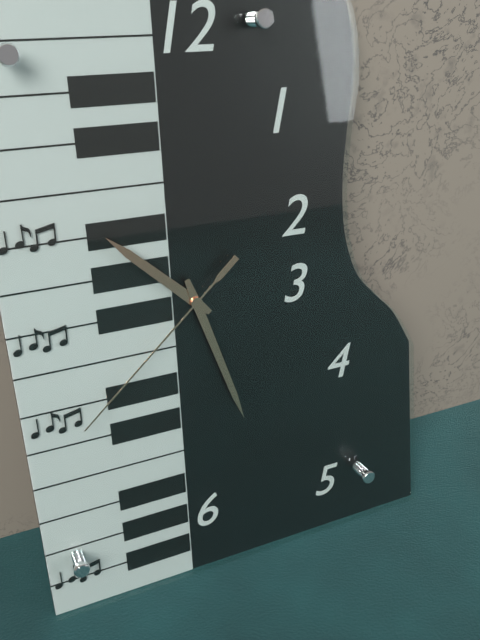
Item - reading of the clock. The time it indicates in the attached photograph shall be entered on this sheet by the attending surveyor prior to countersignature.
10:27:38
